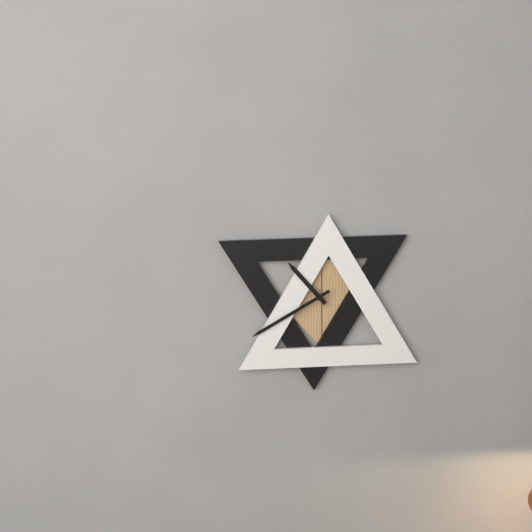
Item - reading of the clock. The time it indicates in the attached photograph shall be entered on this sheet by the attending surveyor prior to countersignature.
10:40
